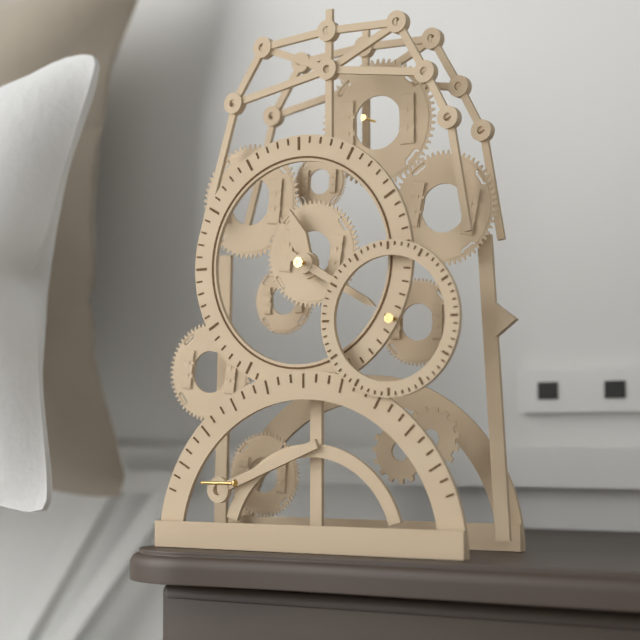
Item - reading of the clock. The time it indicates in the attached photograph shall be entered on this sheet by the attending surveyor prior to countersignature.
11:20
